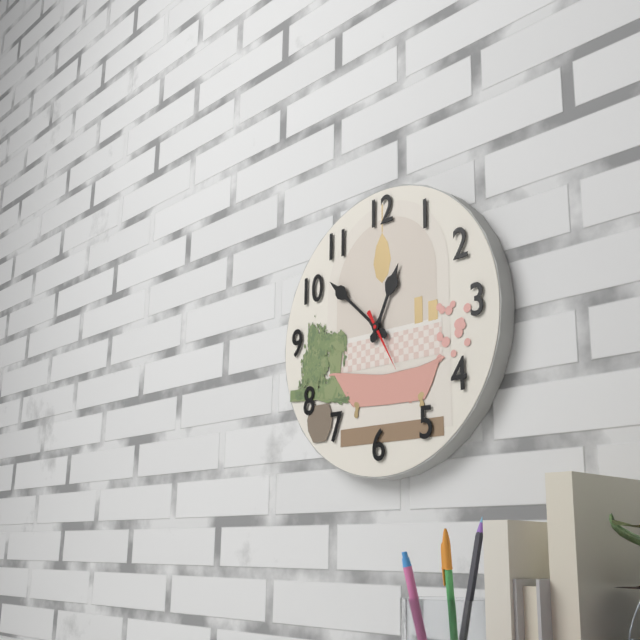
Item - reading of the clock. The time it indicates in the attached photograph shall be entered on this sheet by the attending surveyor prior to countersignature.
12:52:25
